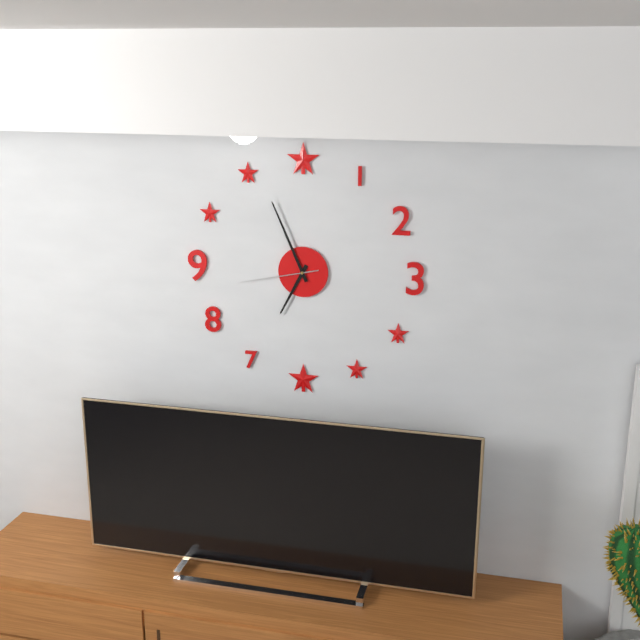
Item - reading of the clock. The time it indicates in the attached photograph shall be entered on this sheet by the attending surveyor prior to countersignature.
6:56:43
